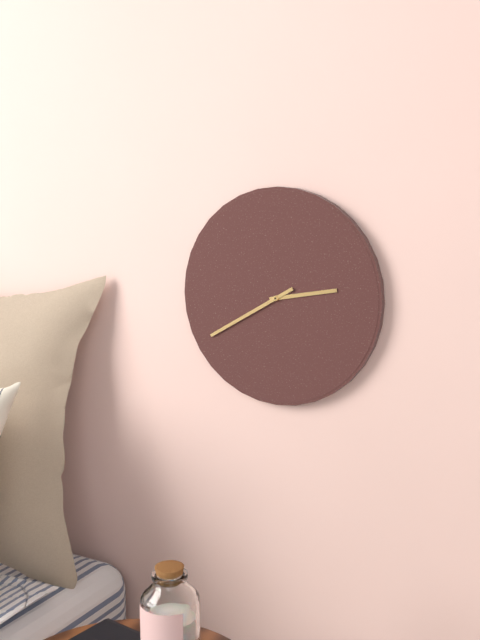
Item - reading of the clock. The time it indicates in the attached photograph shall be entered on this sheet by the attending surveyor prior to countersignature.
2:40
